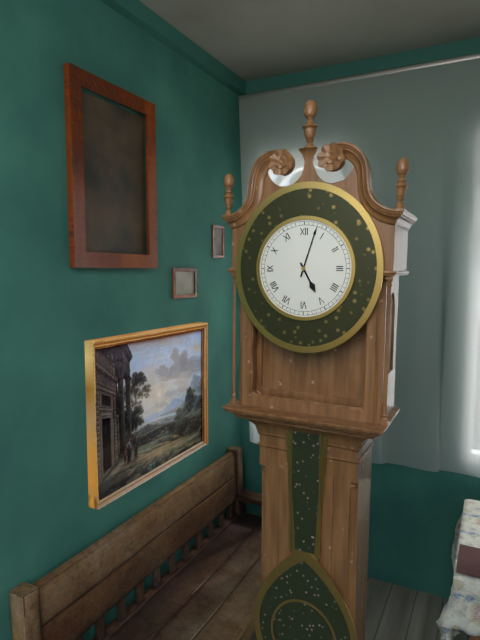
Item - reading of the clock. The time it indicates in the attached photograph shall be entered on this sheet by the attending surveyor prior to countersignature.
5:03
